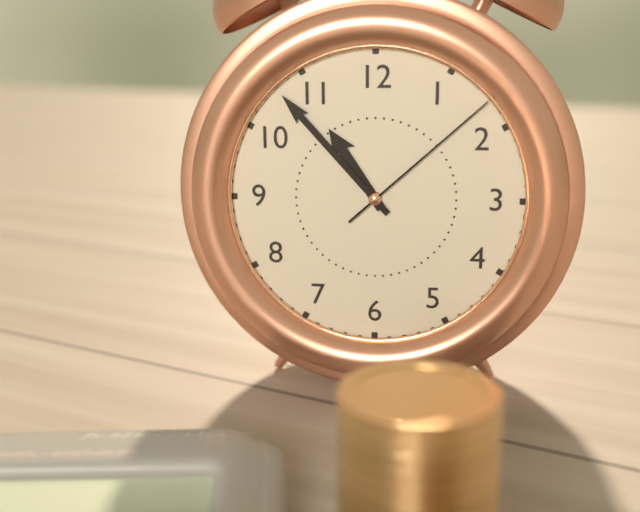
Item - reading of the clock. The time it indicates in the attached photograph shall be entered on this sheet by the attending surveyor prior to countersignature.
10:53:08
